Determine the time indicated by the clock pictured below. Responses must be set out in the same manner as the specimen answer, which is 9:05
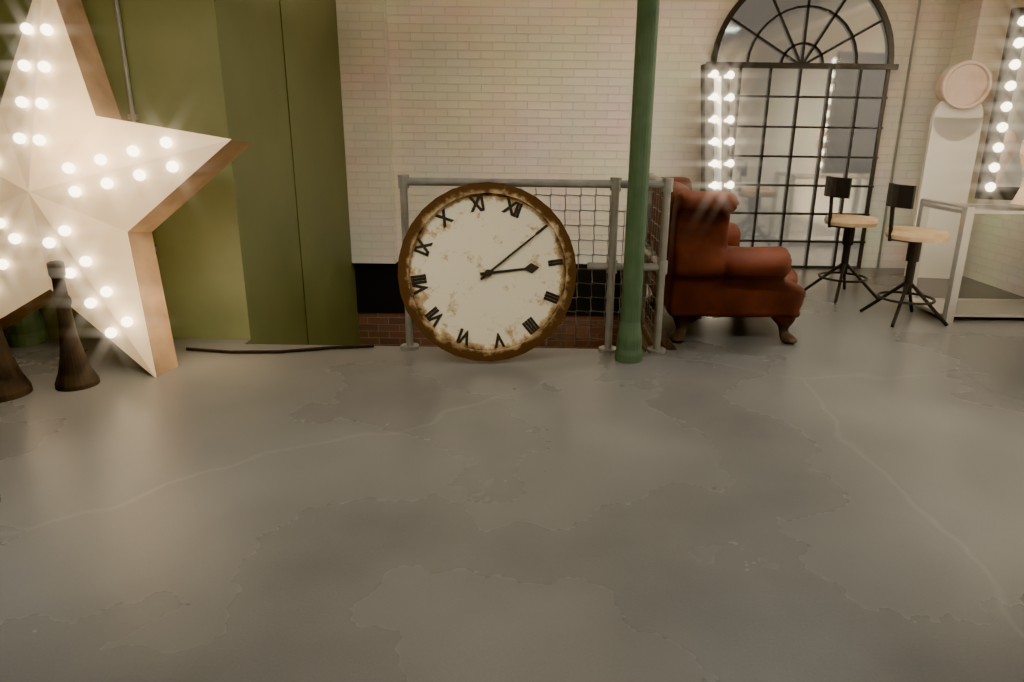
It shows 2:05
